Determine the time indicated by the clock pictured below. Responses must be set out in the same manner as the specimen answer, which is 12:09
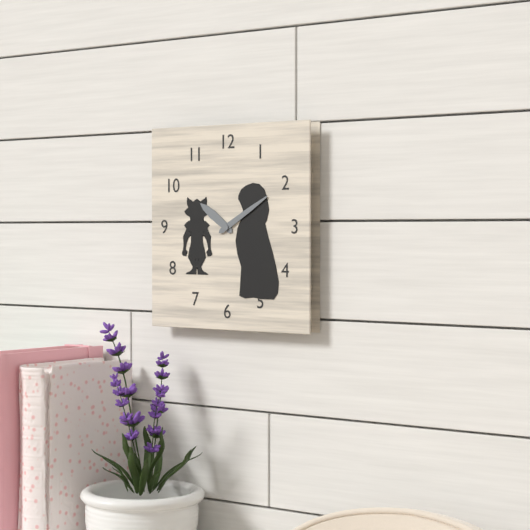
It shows 10:10
